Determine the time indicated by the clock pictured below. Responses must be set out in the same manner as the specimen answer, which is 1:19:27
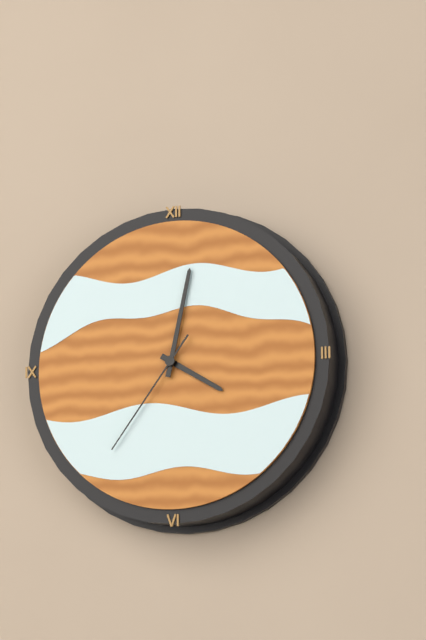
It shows 4:02:36
